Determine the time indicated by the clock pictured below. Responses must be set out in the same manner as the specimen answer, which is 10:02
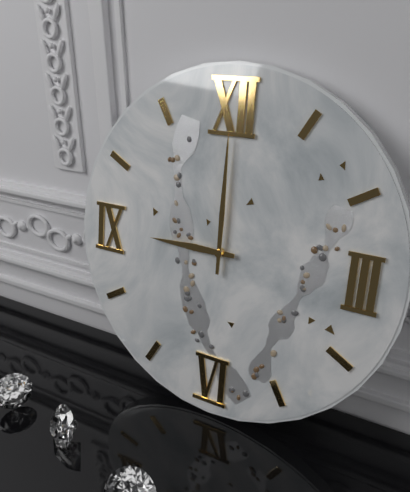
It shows 9:00
